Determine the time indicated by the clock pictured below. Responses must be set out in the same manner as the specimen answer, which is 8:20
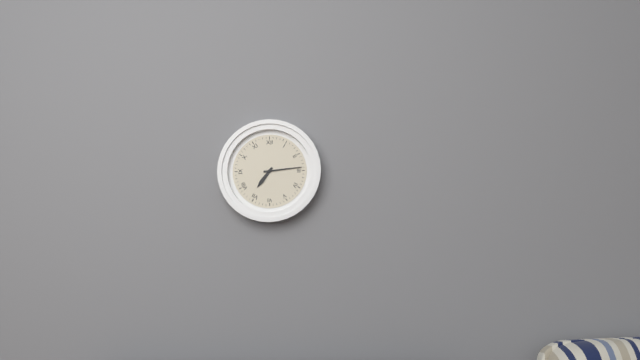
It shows 7:14
